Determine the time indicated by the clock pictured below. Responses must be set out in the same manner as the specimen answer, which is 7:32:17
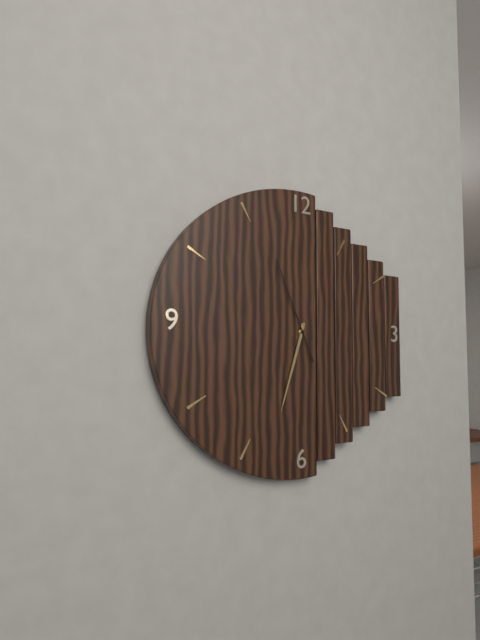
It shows 6:33:56
